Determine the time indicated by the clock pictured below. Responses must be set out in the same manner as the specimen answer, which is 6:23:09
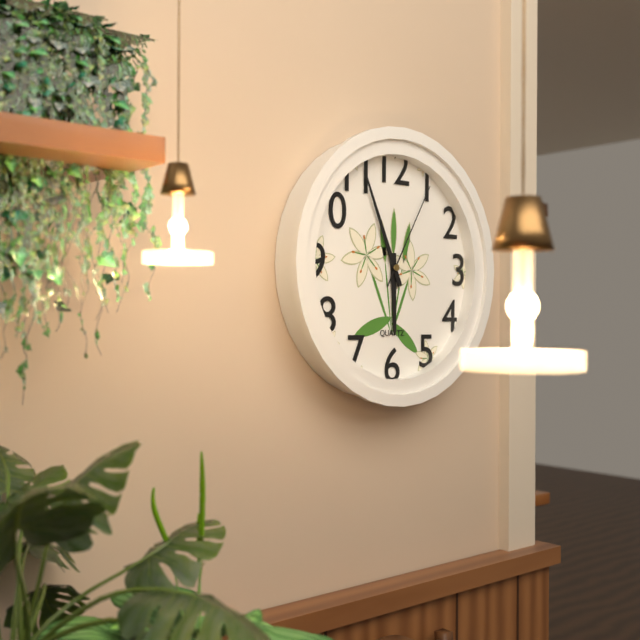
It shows 5:56:05
